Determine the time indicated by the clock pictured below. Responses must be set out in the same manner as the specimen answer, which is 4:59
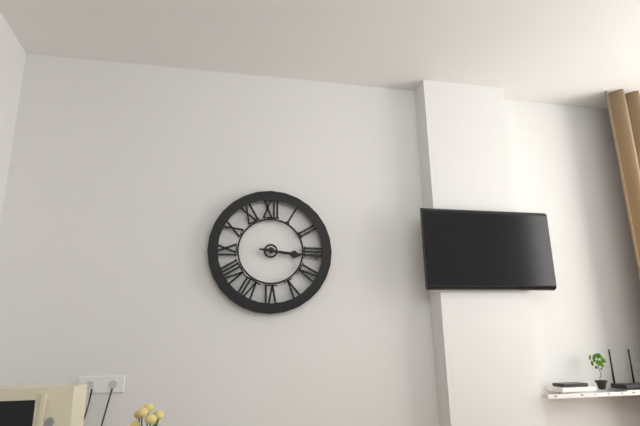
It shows 3:16
